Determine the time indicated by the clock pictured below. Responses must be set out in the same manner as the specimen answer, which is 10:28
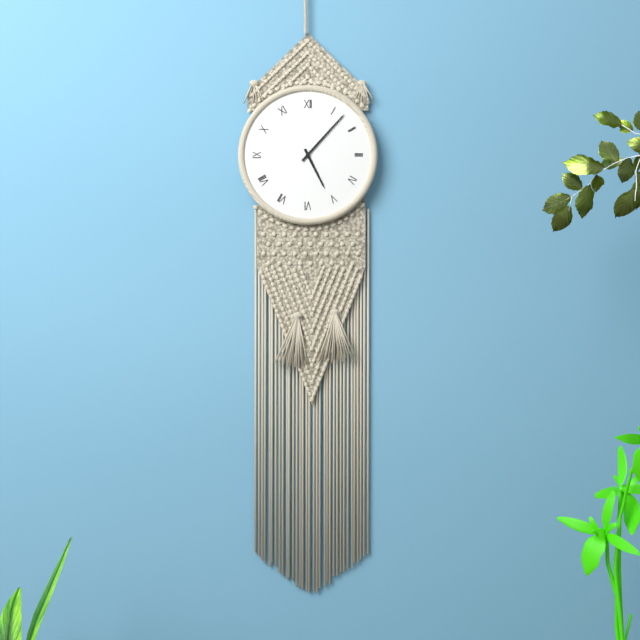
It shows 5:07
